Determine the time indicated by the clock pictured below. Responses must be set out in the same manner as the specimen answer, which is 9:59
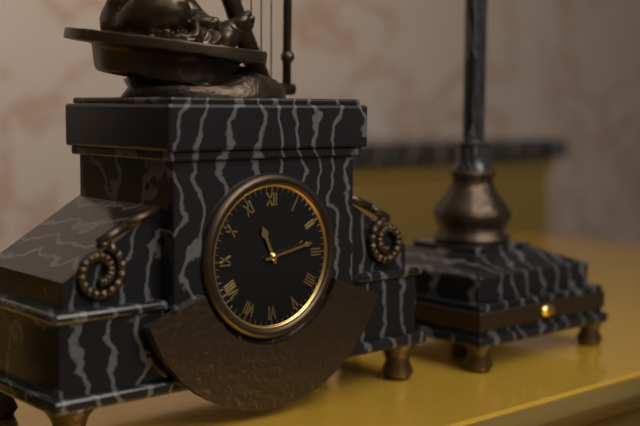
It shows 11:13
